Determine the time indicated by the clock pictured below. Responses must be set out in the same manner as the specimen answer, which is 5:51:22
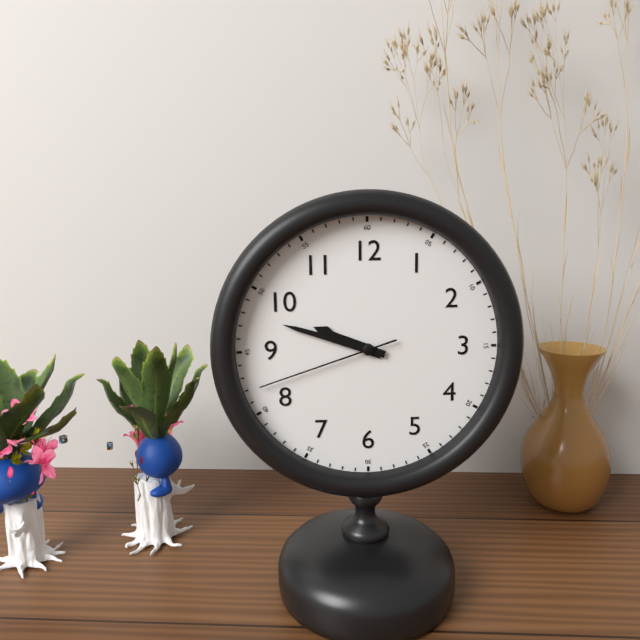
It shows 9:48:42
